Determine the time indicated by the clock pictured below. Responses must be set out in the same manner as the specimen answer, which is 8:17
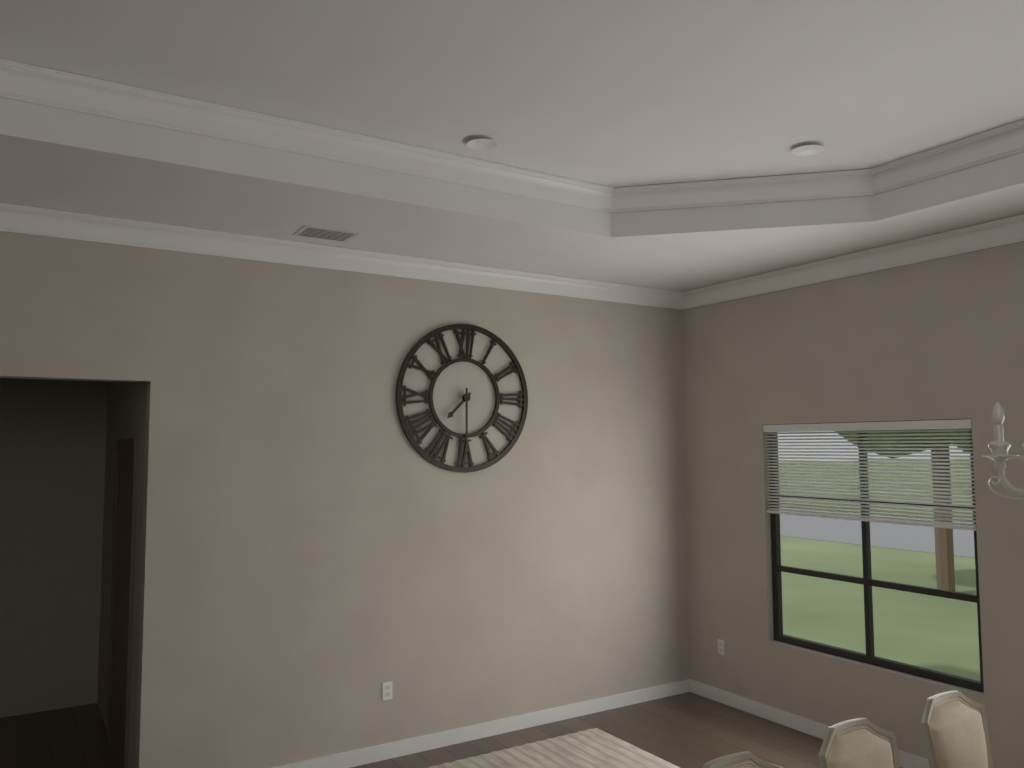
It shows 7:30
